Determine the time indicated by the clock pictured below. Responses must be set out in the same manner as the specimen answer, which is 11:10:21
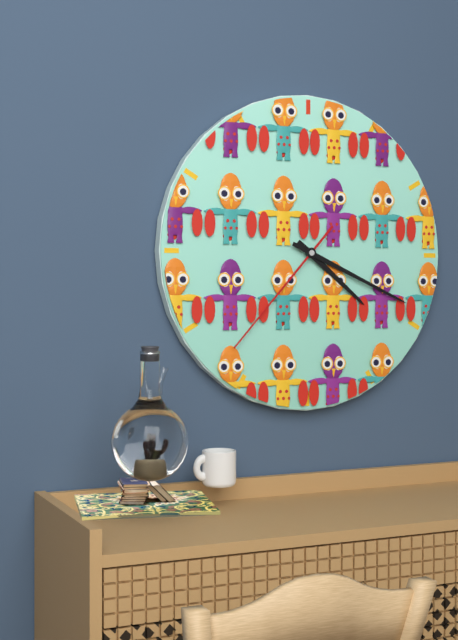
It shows 4:19:37
